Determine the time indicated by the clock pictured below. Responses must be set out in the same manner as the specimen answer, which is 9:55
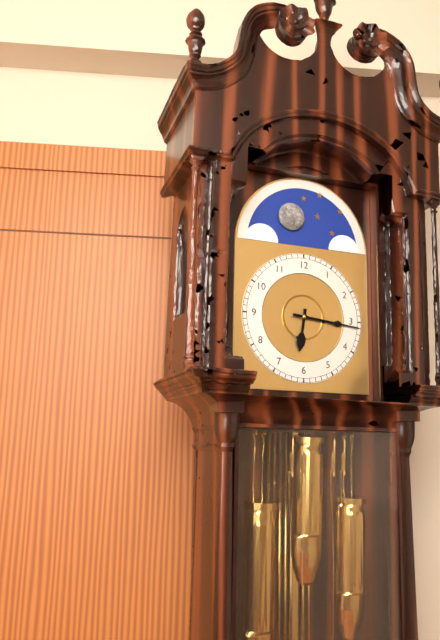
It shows 6:16
